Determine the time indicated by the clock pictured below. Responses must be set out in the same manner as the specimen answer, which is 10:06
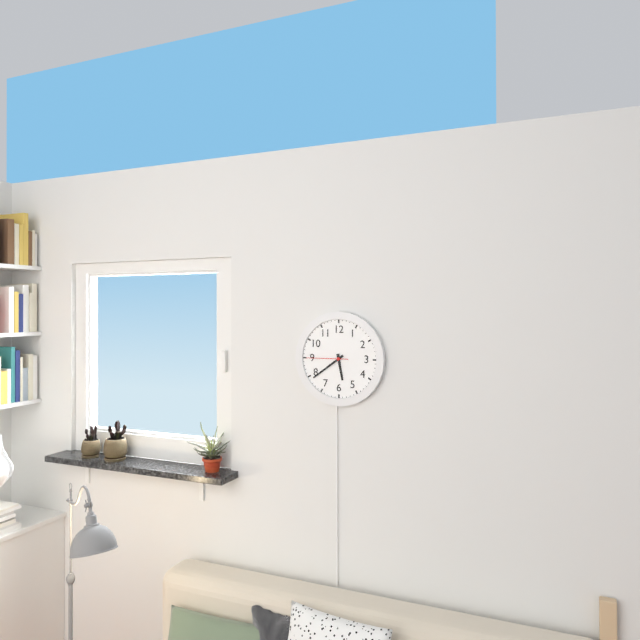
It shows 5:39
